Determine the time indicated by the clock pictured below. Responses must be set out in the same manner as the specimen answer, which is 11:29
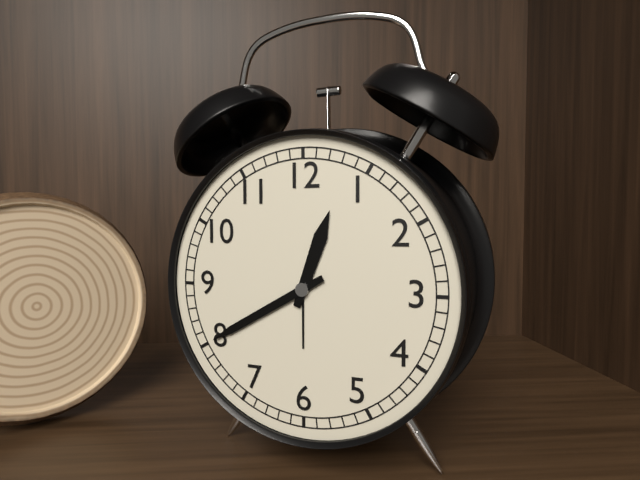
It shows 12:40
